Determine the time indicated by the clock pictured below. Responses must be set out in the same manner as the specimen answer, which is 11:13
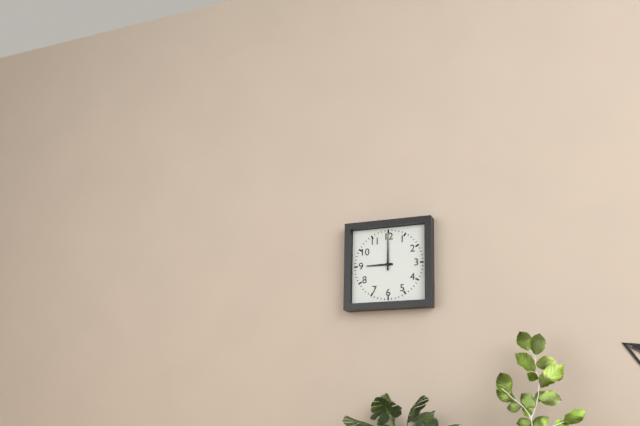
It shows 9:00
